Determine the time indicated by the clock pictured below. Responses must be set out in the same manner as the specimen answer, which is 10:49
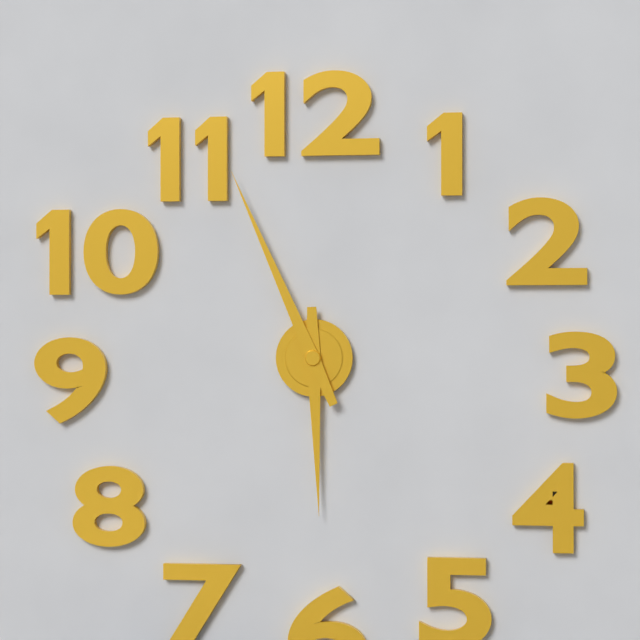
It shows 5:56
